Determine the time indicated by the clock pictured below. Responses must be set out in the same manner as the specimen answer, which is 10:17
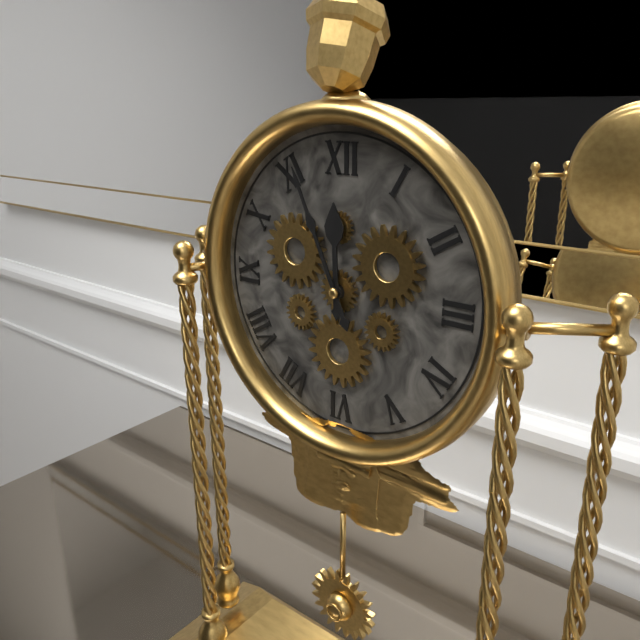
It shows 11:56
